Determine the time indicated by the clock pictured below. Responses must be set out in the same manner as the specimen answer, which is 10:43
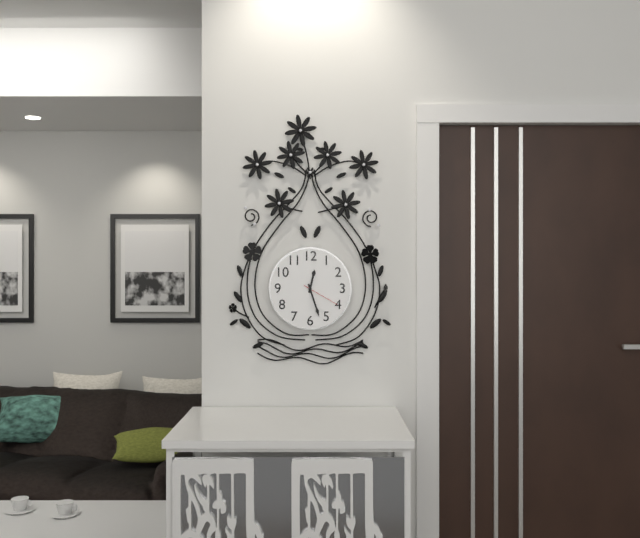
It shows 12:27
